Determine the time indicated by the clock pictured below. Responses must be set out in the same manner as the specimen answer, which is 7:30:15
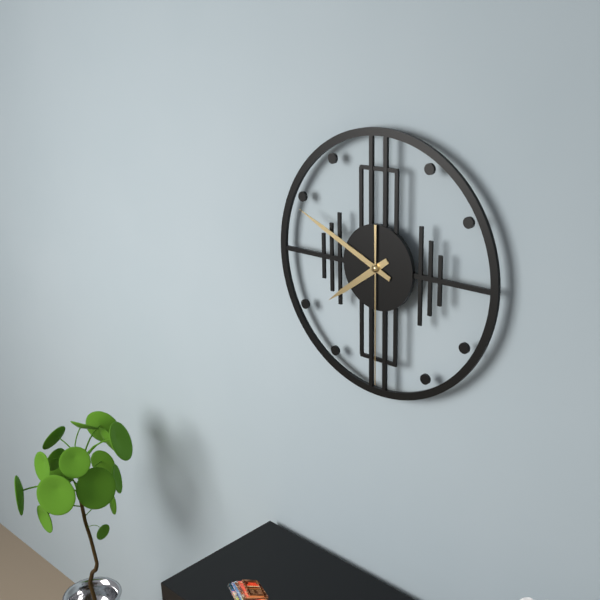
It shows 7:49:30
